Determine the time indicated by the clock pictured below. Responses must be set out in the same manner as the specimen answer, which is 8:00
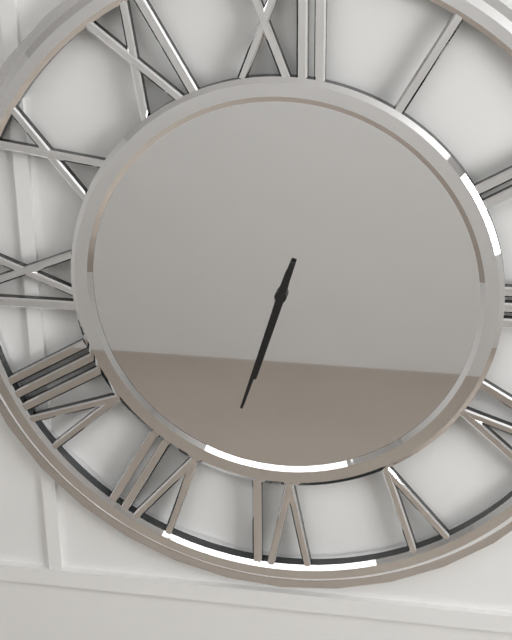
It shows 6:33
